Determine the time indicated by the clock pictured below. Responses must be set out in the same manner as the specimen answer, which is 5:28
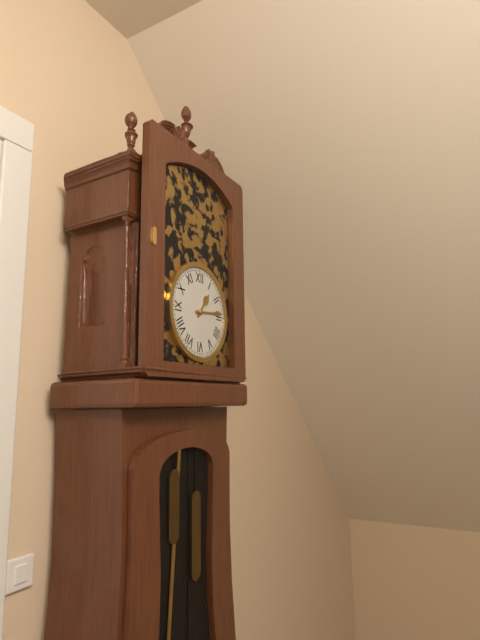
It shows 1:14
